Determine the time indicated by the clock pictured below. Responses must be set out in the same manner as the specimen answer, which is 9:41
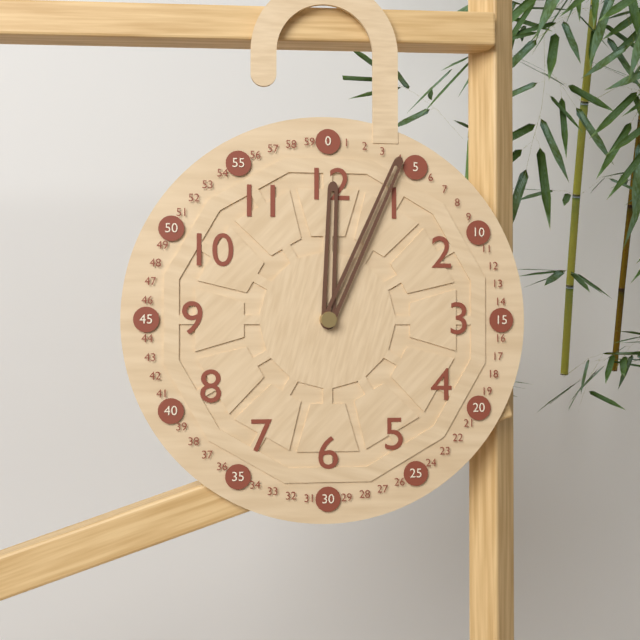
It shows 12:04
